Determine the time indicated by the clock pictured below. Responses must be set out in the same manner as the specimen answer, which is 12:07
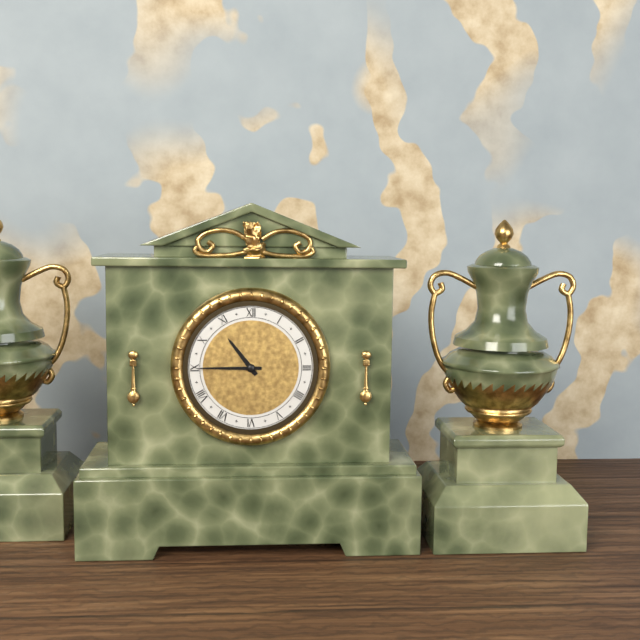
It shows 10:45
